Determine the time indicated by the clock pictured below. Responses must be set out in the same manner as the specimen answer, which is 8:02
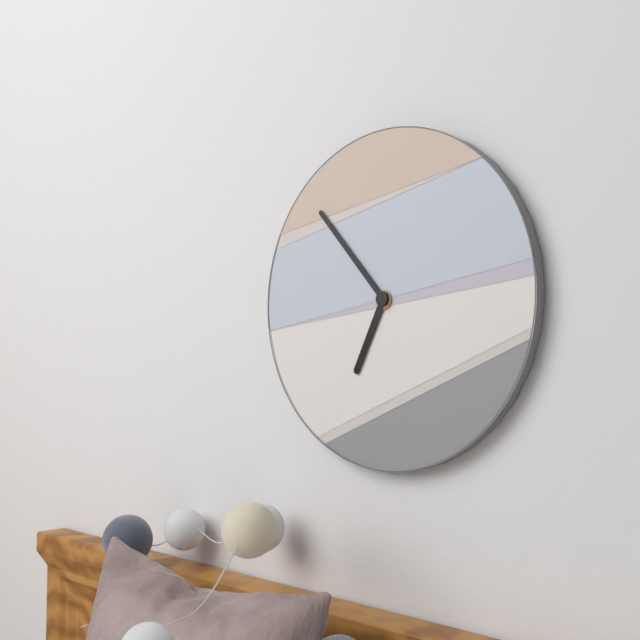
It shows 6:53
